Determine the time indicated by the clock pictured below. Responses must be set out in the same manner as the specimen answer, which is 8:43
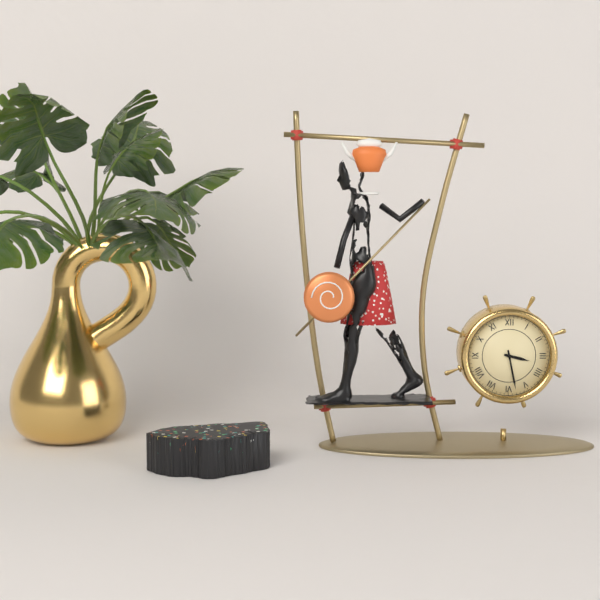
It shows 3:28
